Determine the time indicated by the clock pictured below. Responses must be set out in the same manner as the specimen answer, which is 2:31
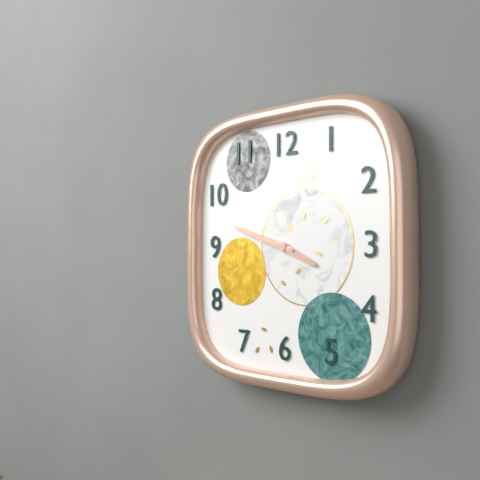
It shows 3:48
